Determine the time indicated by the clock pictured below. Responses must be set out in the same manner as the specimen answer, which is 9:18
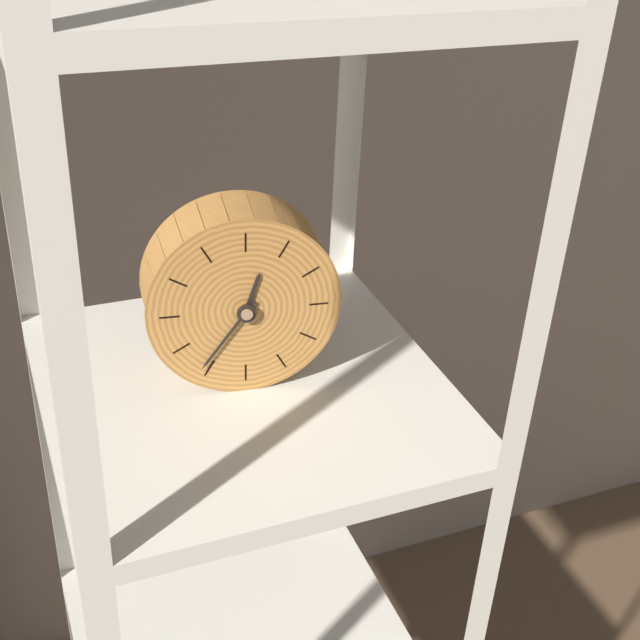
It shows 12:36
